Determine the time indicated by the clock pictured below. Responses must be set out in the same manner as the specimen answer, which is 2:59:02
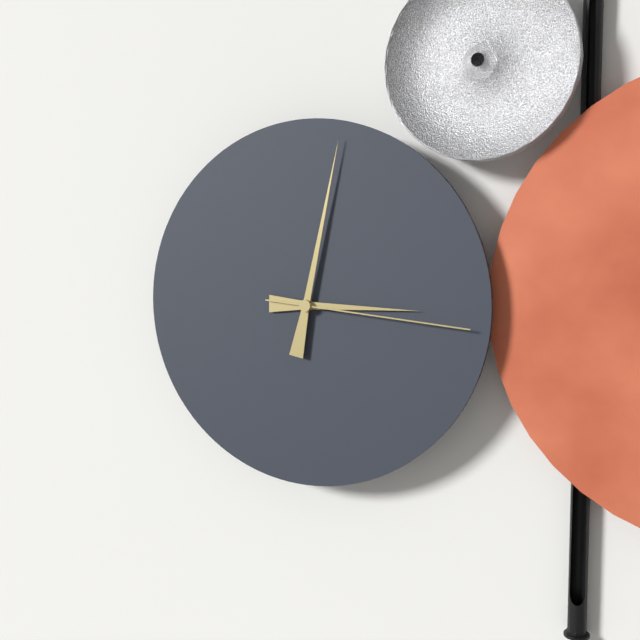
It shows 3:02:16
